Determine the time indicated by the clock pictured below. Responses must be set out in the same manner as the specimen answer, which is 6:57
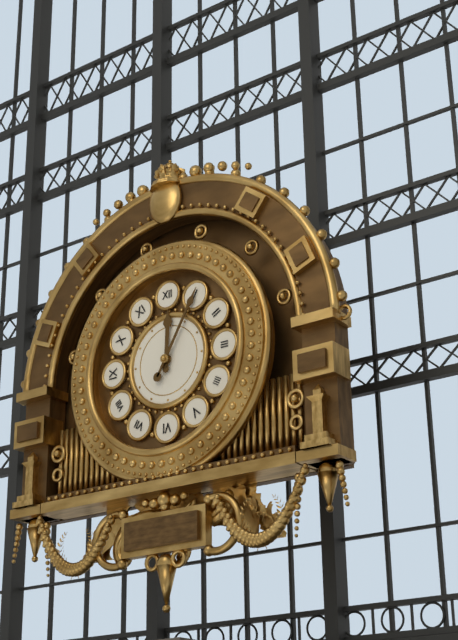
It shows 12:05
